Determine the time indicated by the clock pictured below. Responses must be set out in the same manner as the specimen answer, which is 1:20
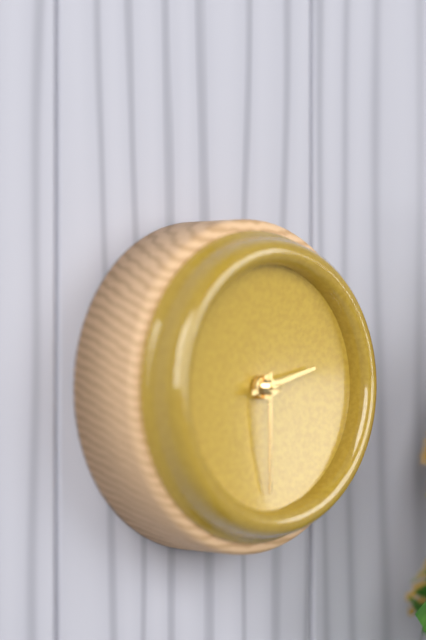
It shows 2:30
